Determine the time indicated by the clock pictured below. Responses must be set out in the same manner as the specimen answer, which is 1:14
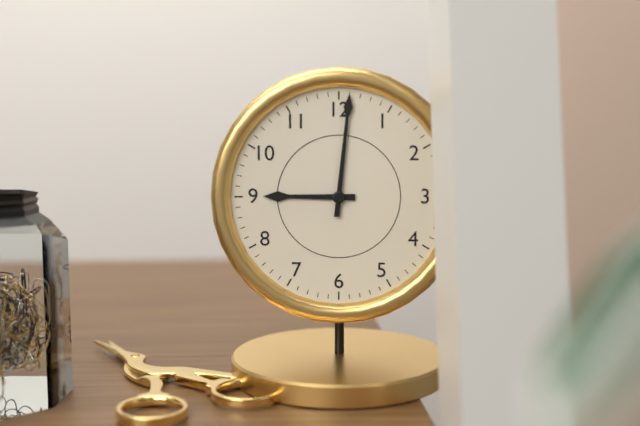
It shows 9:01
